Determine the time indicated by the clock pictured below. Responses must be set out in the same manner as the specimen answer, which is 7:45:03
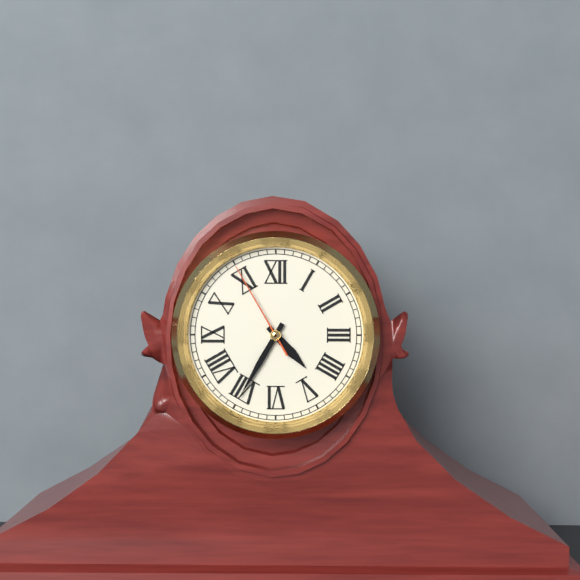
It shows 4:35:55
